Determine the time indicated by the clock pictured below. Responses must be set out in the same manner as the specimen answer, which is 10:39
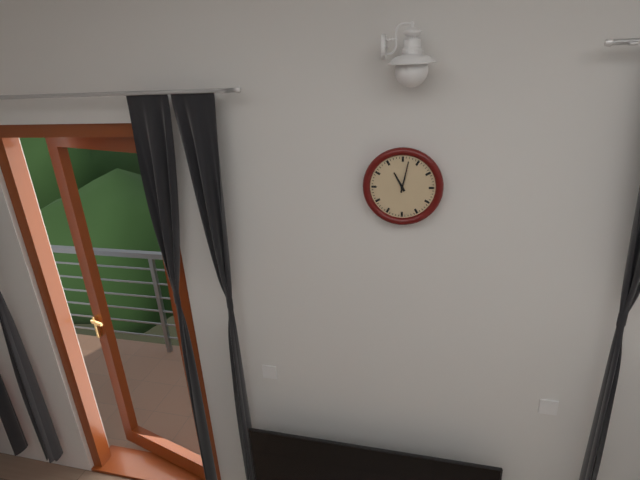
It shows 11:02
